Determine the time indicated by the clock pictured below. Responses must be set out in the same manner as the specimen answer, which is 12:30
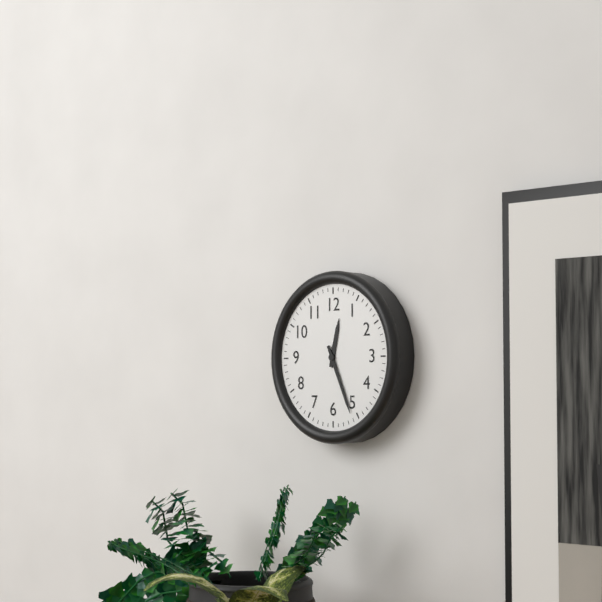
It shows 12:26
